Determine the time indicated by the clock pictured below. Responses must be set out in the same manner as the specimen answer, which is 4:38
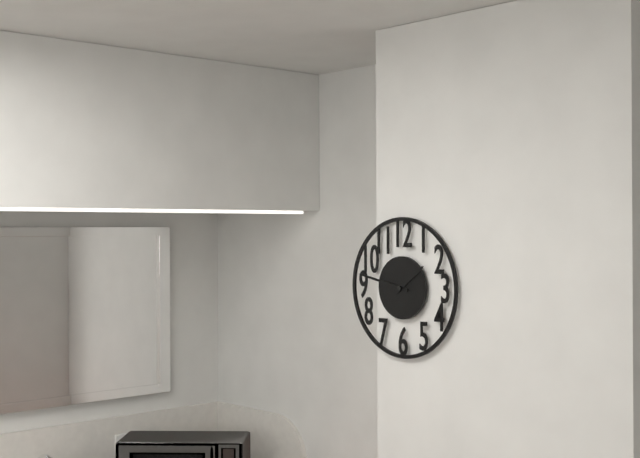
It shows 1:47
